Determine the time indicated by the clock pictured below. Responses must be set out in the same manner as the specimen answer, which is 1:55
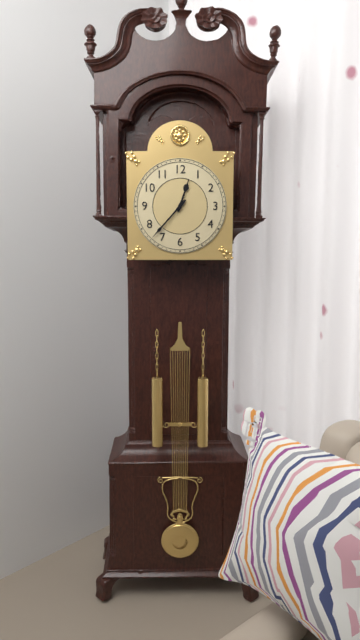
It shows 12:37
